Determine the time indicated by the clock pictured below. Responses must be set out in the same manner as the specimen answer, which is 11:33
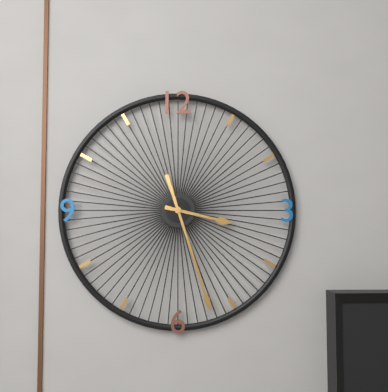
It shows 3:27
